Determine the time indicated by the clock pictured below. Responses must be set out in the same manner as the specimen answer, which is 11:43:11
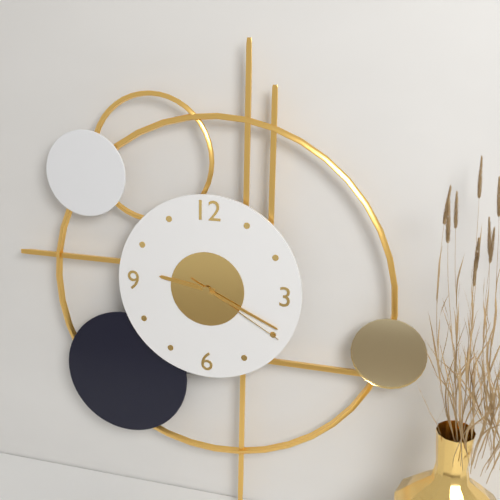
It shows 9:19:20
